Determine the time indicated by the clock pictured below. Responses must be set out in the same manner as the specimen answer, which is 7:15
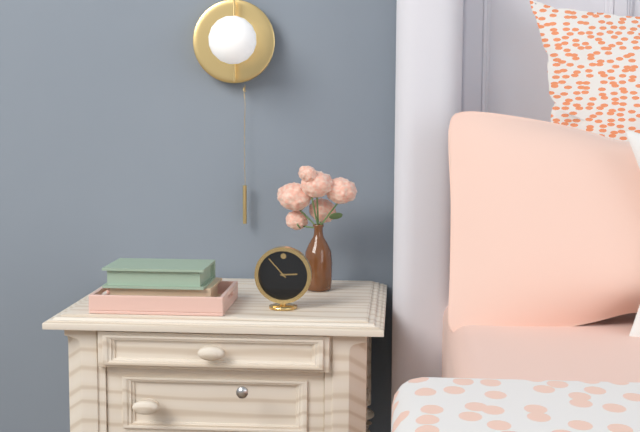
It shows 2:53
